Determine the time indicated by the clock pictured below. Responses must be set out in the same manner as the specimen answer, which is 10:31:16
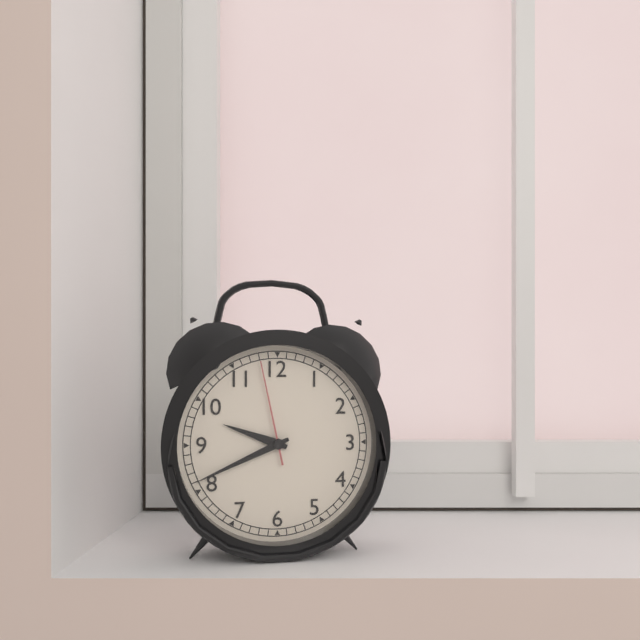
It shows 9:41:58
